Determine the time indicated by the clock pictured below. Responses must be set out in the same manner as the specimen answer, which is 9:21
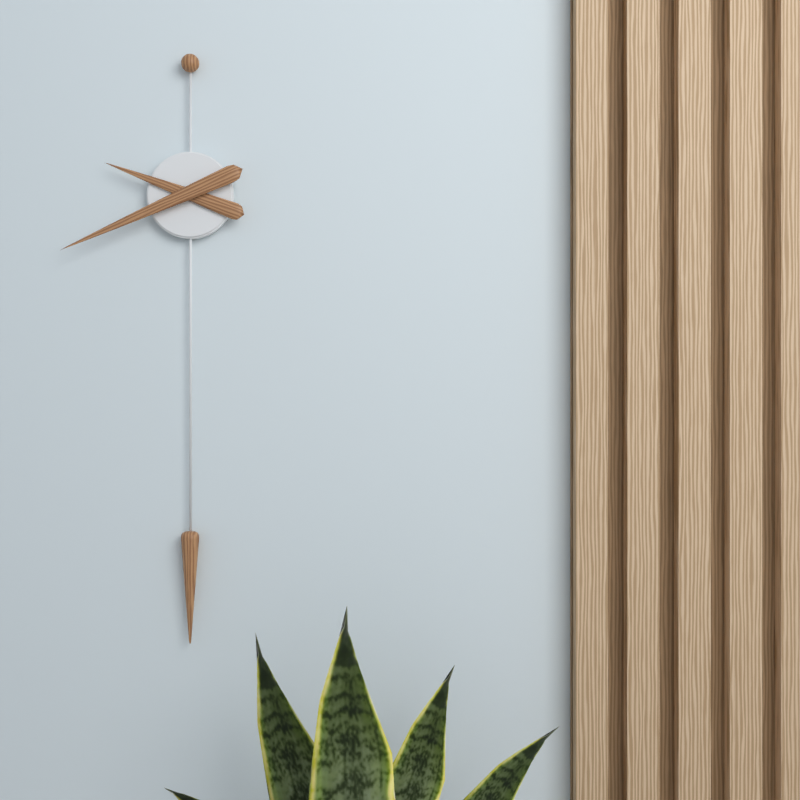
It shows 9:41
